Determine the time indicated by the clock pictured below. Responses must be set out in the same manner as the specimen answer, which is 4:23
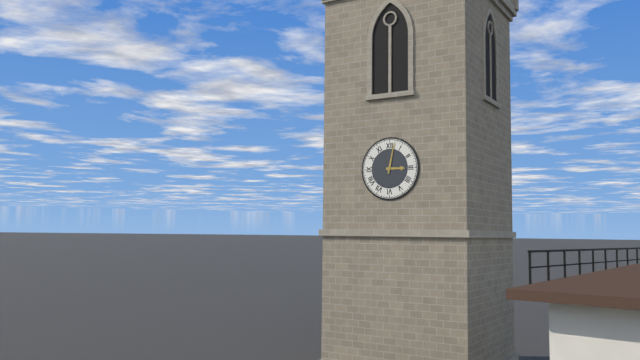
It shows 3:02
